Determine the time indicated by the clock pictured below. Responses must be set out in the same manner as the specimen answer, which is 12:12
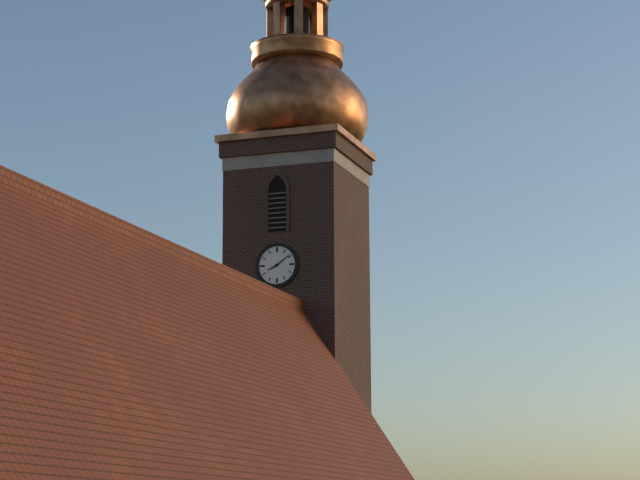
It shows 8:09
